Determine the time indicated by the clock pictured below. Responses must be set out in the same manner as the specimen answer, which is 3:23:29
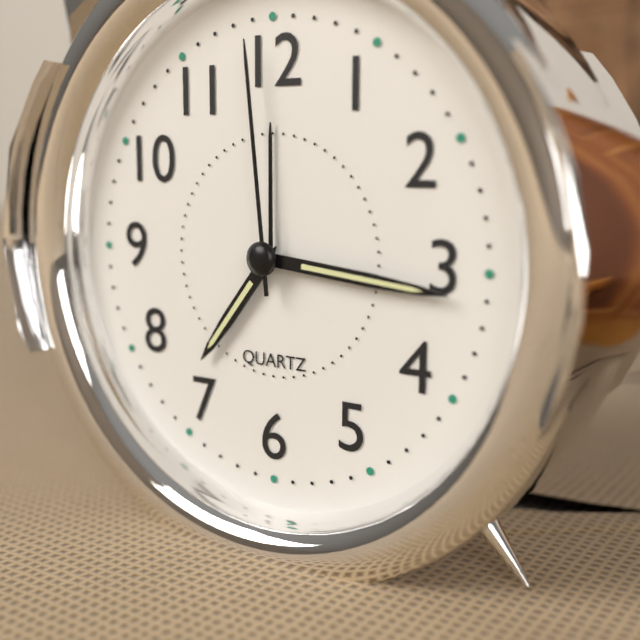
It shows 7:16:59
